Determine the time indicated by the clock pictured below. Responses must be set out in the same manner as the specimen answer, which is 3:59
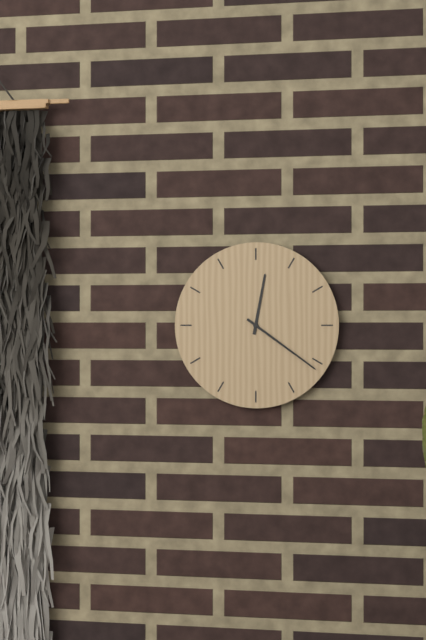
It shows 12:21
